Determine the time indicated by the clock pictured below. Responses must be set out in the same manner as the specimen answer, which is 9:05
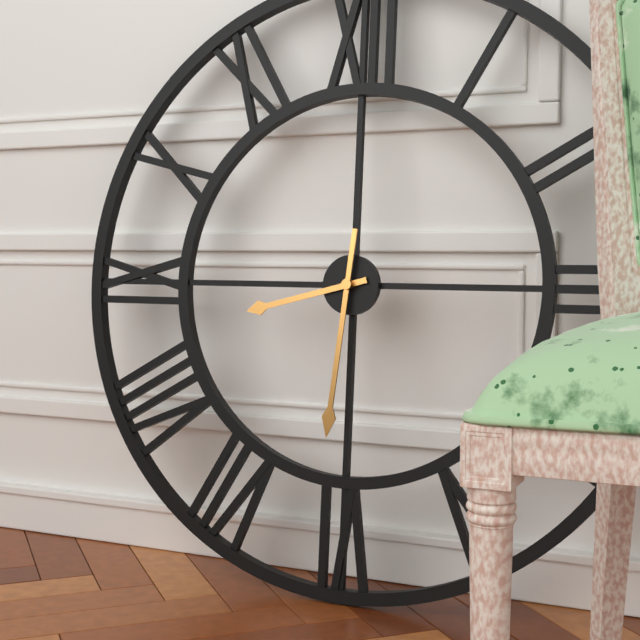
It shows 8:31
